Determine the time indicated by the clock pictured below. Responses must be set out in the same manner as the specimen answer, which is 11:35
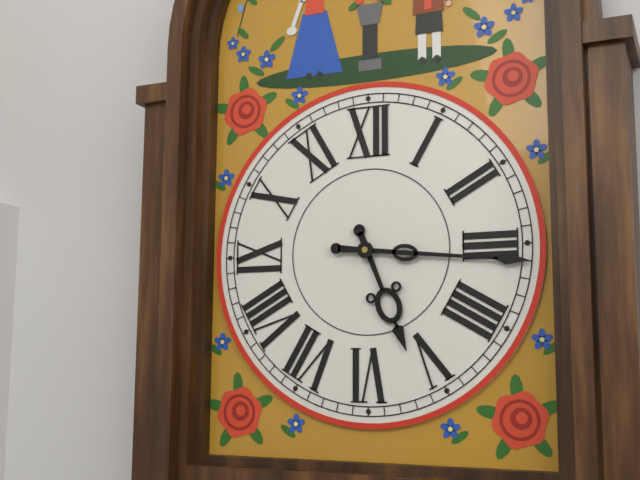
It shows 5:16
